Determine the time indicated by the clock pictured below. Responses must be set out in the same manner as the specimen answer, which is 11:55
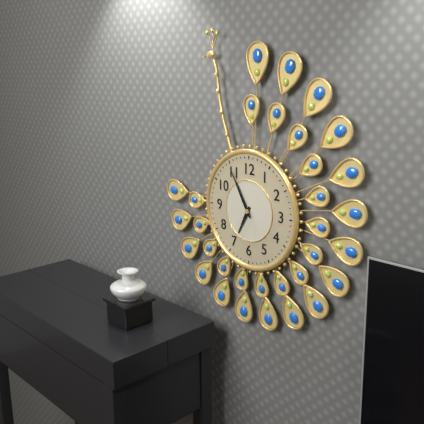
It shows 6:55
